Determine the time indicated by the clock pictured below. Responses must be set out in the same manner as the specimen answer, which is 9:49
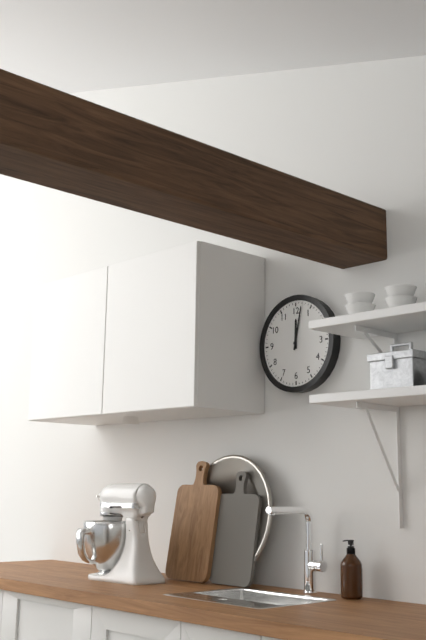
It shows 12:02
